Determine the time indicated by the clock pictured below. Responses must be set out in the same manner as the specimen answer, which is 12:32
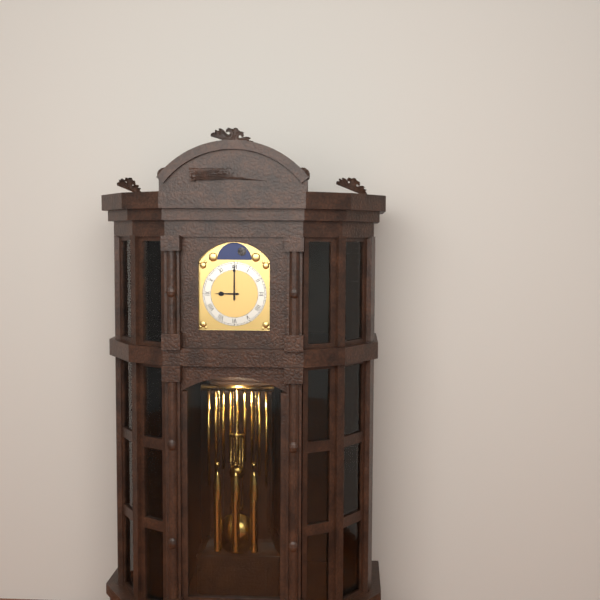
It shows 9:00
